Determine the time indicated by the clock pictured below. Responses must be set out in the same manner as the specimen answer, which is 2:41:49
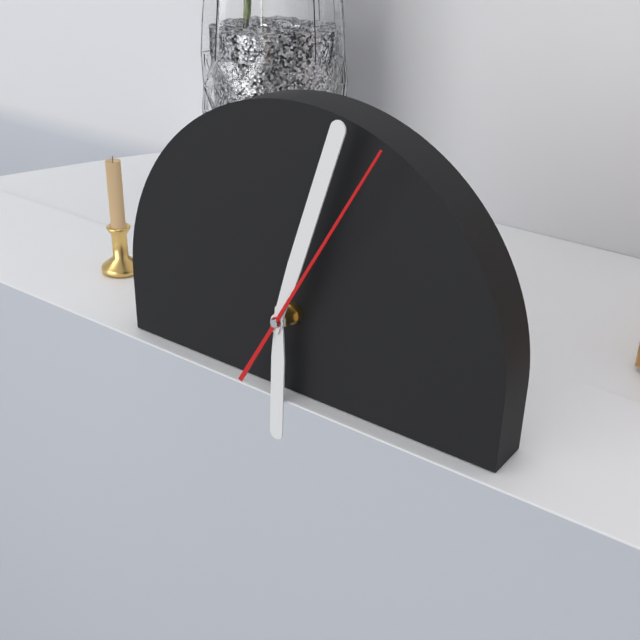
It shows 6:03:05
